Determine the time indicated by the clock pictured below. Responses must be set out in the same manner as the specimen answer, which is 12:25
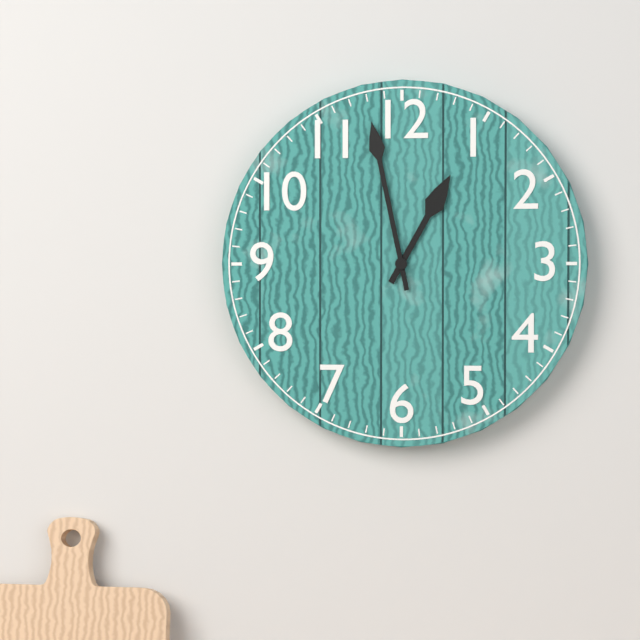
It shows 12:58
